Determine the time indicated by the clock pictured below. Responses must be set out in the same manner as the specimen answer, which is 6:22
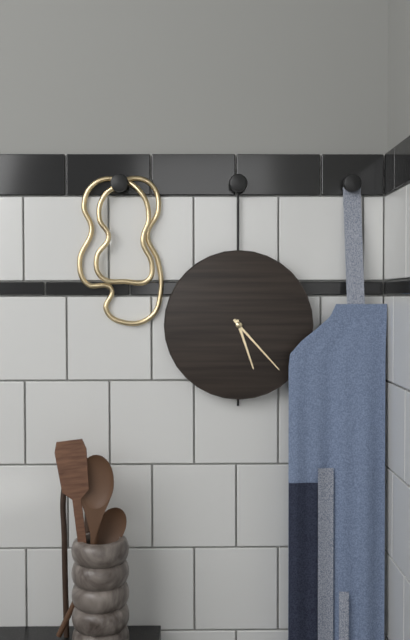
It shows 5:23
